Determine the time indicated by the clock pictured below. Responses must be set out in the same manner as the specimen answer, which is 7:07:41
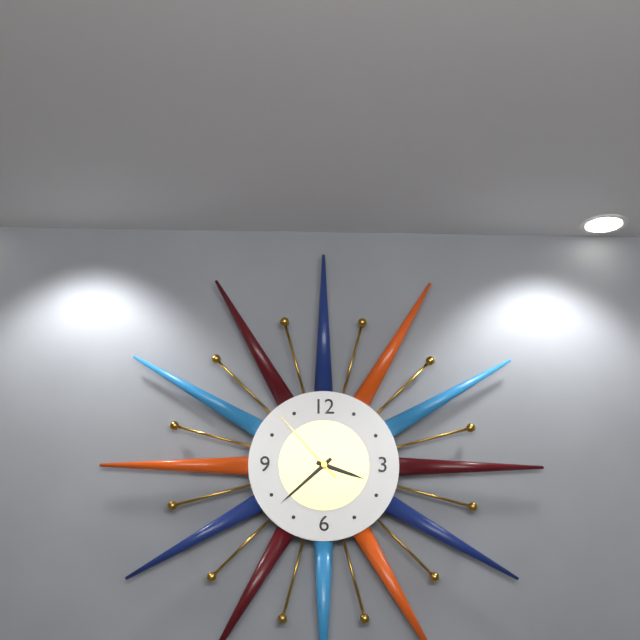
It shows 3:38:53
